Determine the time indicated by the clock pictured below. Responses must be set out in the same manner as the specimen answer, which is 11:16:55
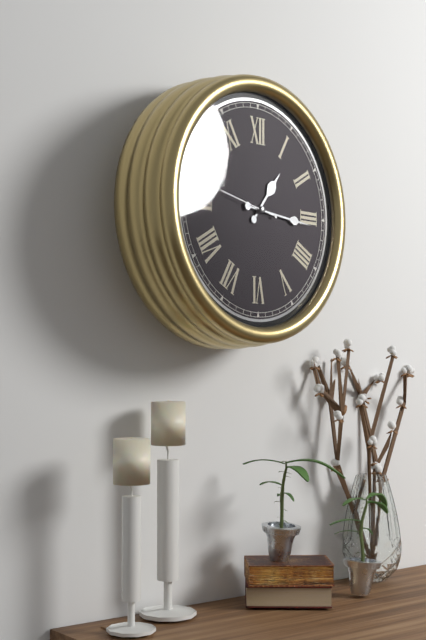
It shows 1:16:47
